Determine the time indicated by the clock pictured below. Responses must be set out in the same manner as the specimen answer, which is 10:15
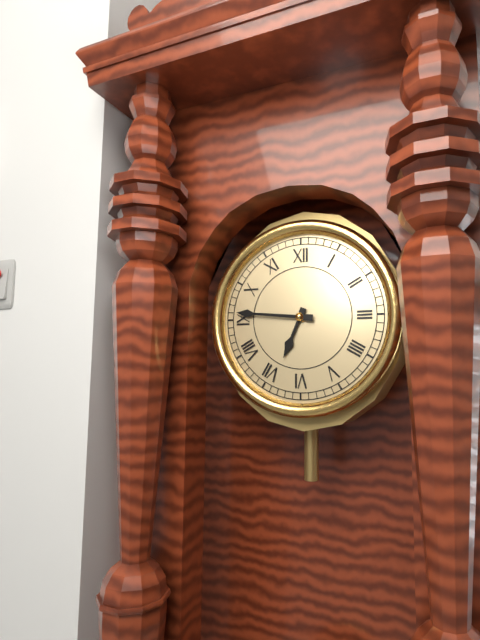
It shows 6:46
